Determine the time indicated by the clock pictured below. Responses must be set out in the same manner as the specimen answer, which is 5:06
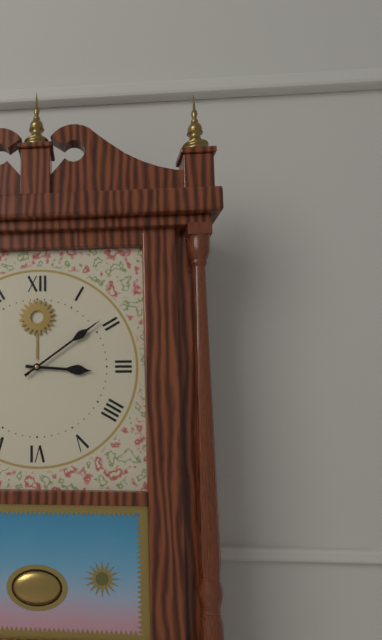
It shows 3:09
